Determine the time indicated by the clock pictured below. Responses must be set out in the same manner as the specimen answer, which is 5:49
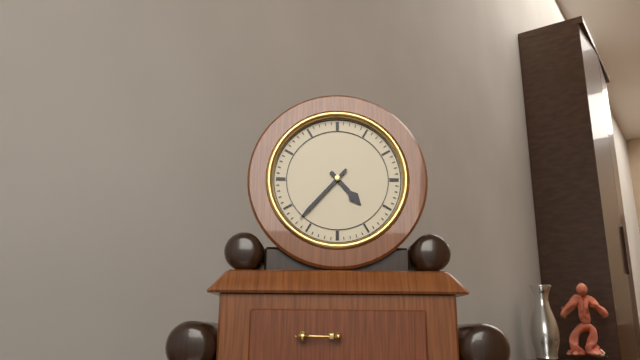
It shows 4:37
